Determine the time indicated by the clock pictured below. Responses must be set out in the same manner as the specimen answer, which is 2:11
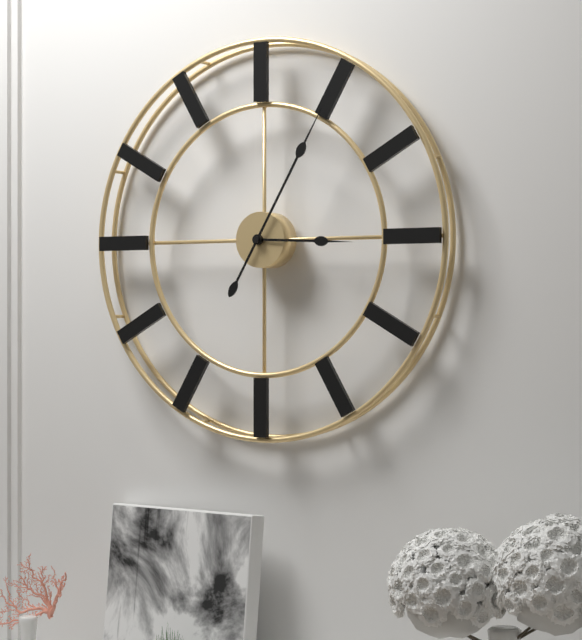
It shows 3:05
